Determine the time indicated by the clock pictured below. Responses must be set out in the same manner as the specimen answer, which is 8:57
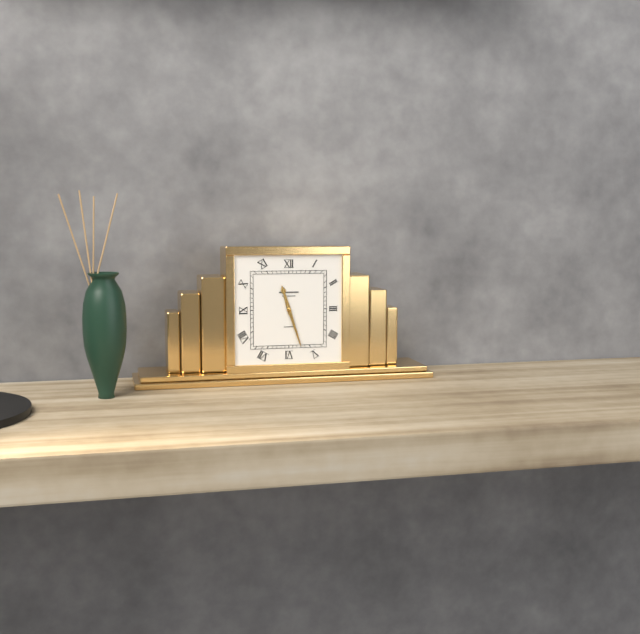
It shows 11:27
